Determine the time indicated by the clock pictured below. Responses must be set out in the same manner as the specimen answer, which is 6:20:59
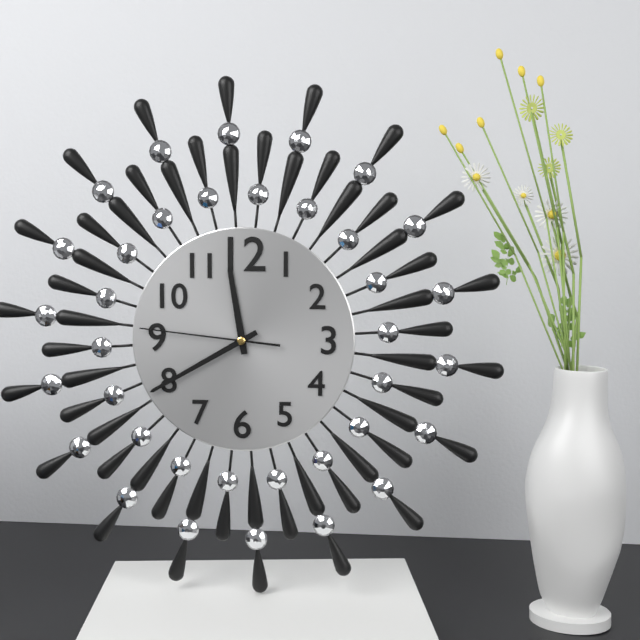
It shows 11:40:46
